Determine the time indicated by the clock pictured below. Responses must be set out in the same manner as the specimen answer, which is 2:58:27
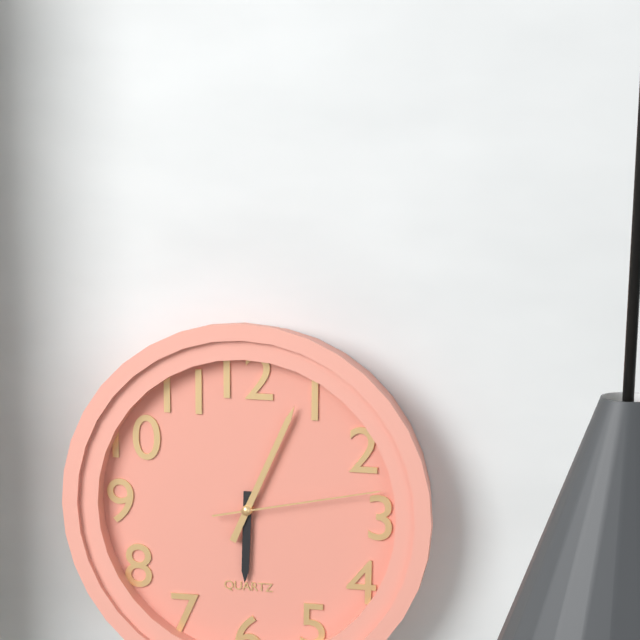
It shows 6:04:13
